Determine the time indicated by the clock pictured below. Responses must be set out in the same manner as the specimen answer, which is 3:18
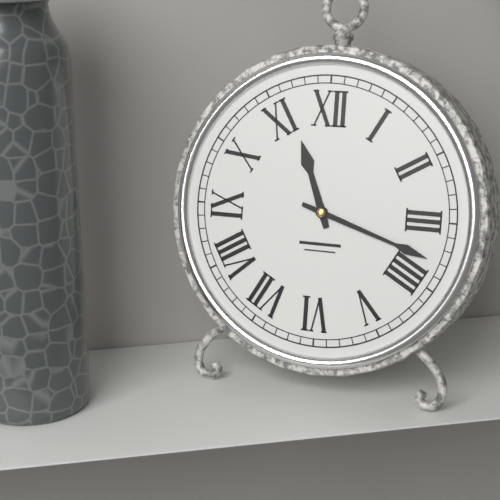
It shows 11:18
